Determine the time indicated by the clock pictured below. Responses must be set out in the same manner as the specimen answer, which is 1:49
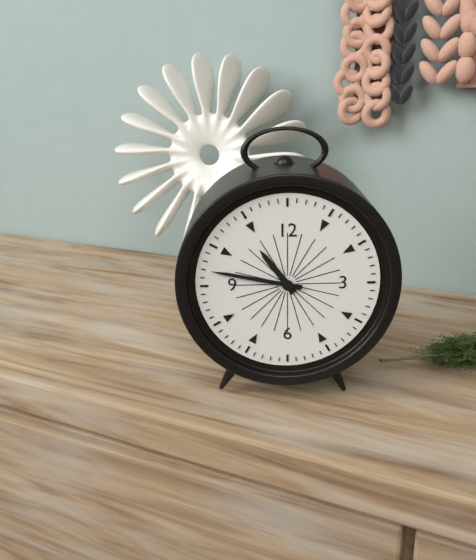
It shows 10:47
